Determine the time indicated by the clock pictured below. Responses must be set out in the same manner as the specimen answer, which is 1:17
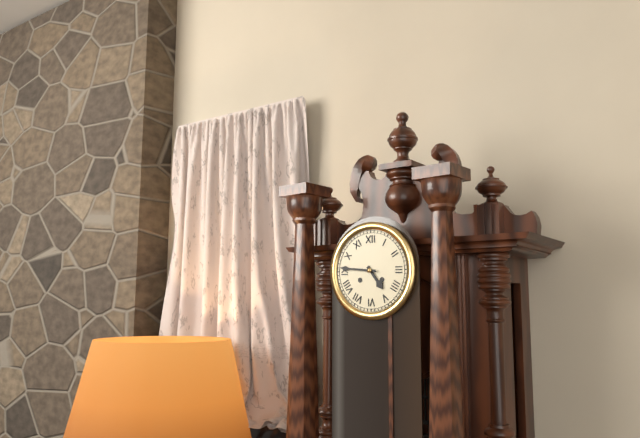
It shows 4:46
